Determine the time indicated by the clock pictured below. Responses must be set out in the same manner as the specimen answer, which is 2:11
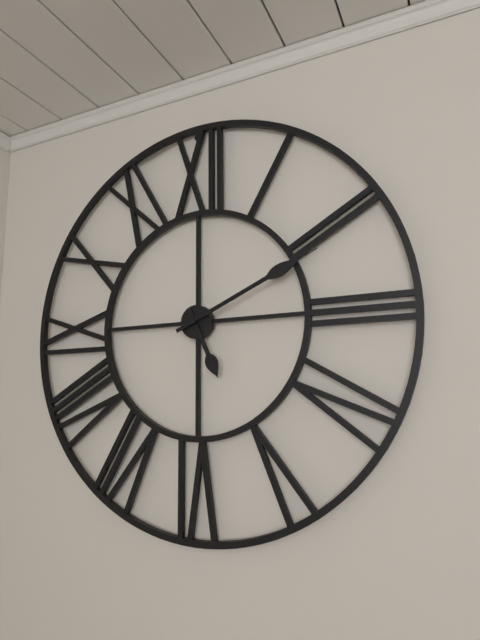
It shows 5:11
